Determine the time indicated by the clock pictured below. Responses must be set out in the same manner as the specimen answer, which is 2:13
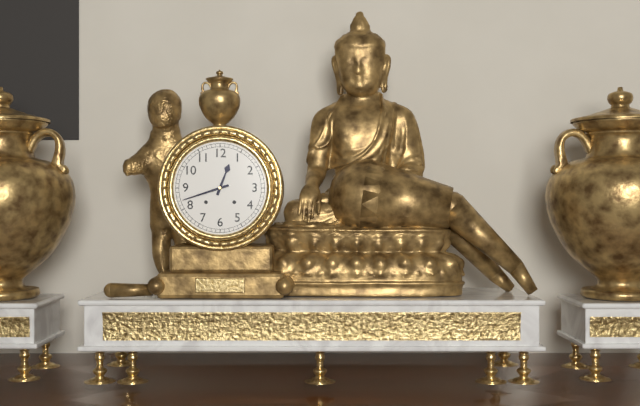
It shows 12:42
